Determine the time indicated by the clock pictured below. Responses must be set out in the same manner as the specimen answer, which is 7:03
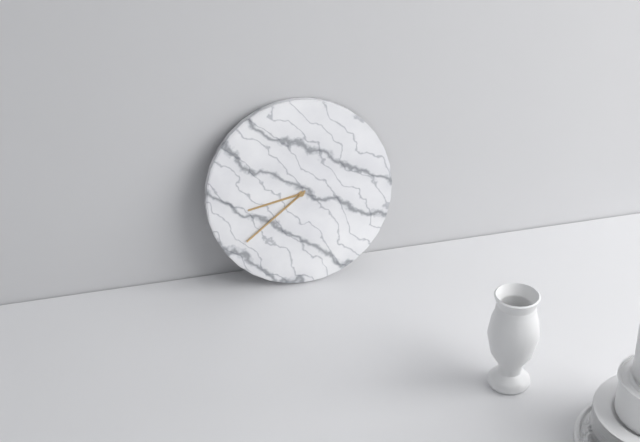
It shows 8:39
